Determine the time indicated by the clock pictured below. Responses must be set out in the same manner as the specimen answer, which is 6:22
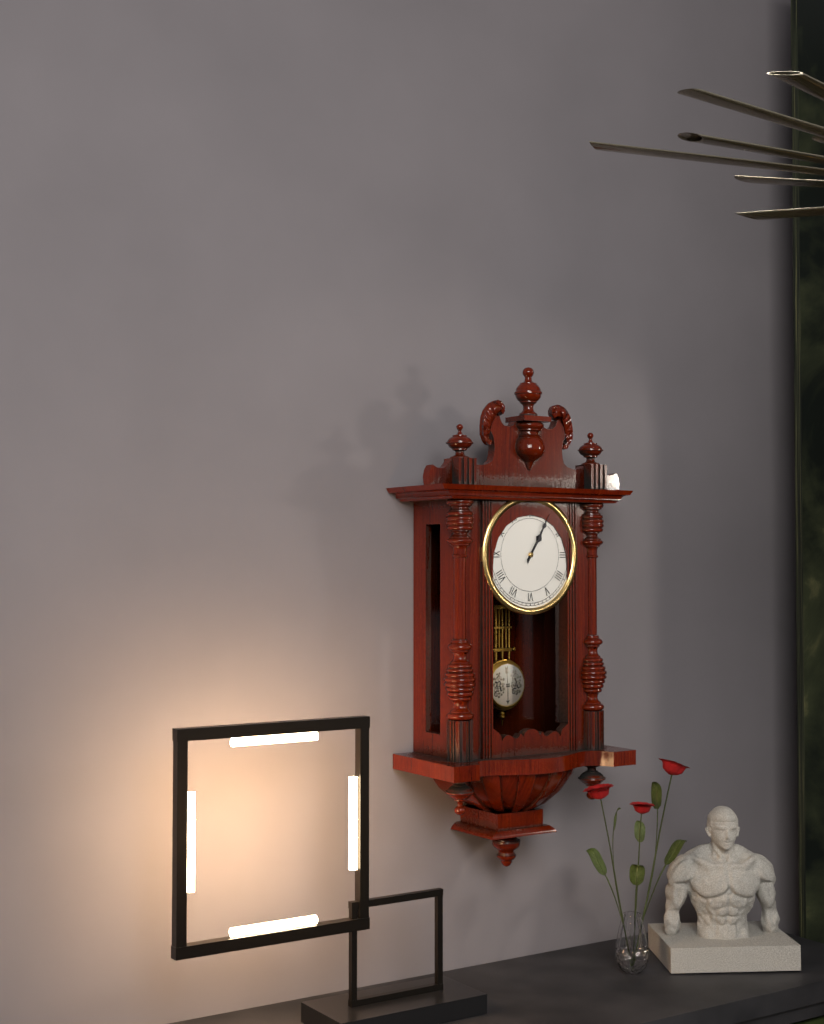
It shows 1:05
